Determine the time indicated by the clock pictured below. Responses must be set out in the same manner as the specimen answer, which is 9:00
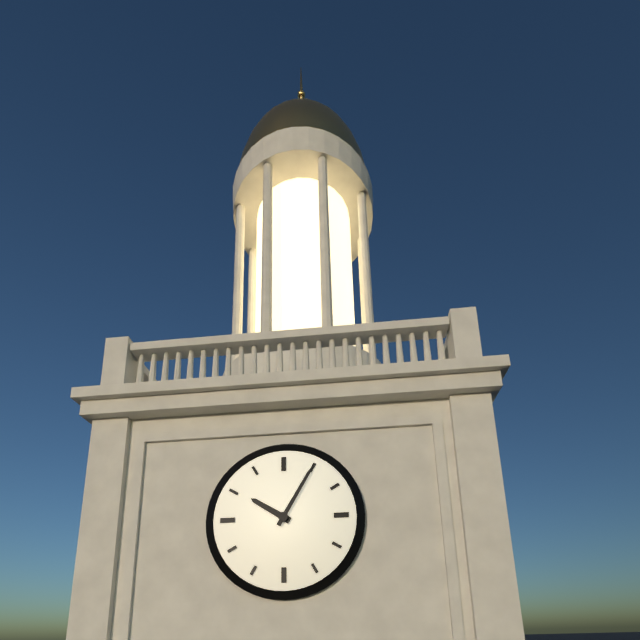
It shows 10:05
